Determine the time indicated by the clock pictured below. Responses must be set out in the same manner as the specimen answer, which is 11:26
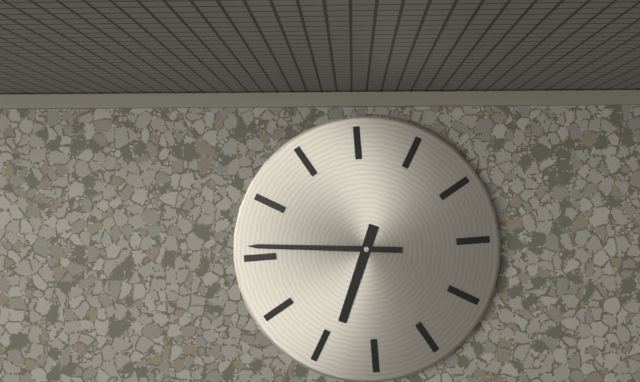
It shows 6:46
